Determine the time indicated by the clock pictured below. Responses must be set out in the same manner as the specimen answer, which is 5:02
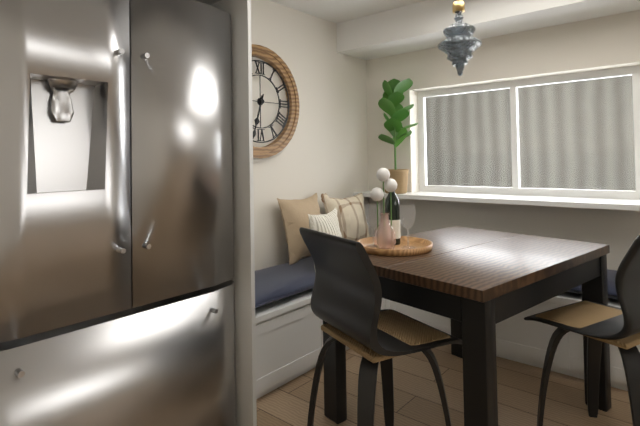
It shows 6:33
